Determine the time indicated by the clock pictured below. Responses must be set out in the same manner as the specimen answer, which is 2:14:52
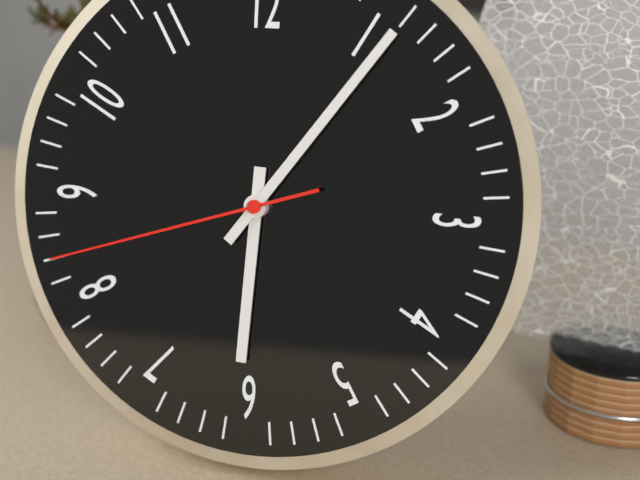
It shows 6:06:42
